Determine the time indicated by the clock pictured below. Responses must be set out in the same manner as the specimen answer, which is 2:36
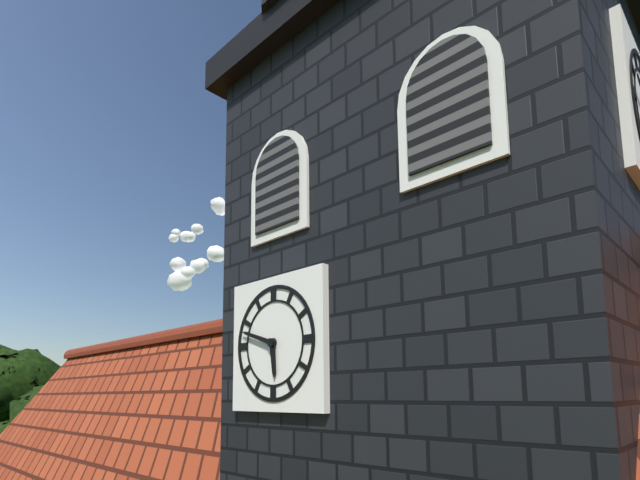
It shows 5:48
